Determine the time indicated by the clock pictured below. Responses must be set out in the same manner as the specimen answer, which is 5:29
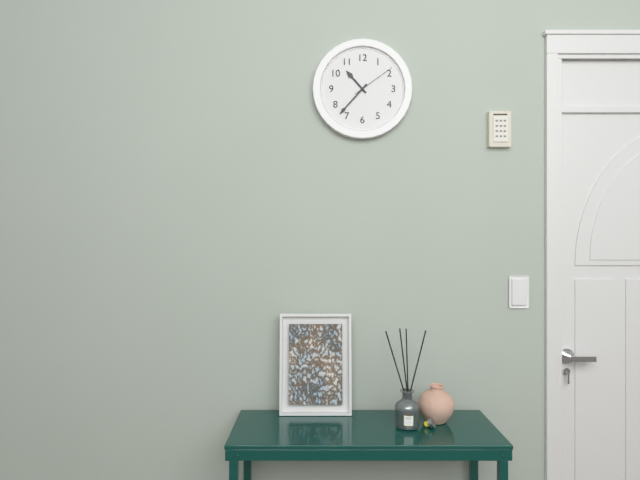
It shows 10:37
